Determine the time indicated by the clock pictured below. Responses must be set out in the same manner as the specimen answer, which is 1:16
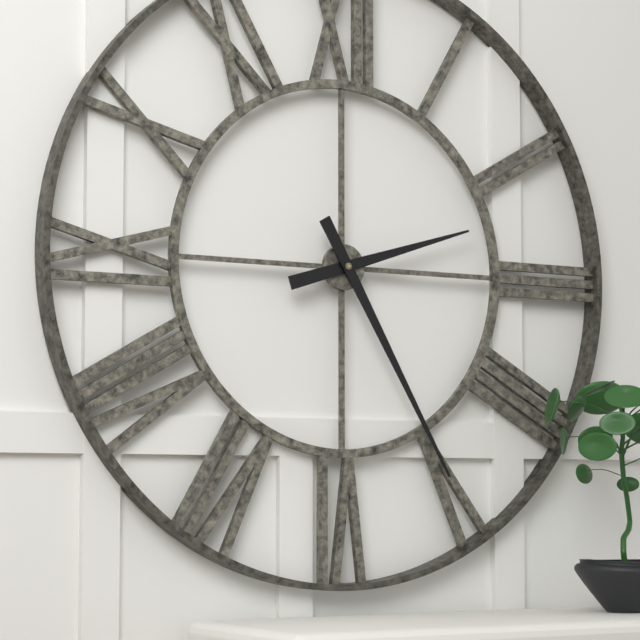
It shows 2:25
